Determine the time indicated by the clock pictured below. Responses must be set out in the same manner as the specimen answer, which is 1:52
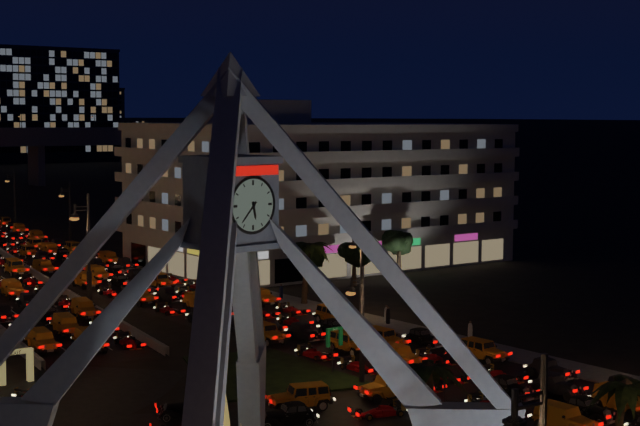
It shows 5:37
